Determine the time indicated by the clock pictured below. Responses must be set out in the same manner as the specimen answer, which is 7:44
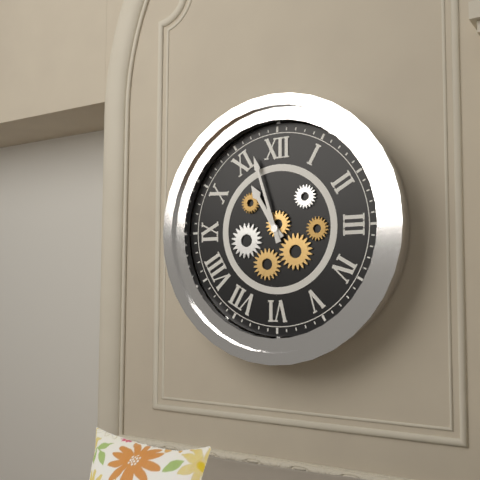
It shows 10:57
